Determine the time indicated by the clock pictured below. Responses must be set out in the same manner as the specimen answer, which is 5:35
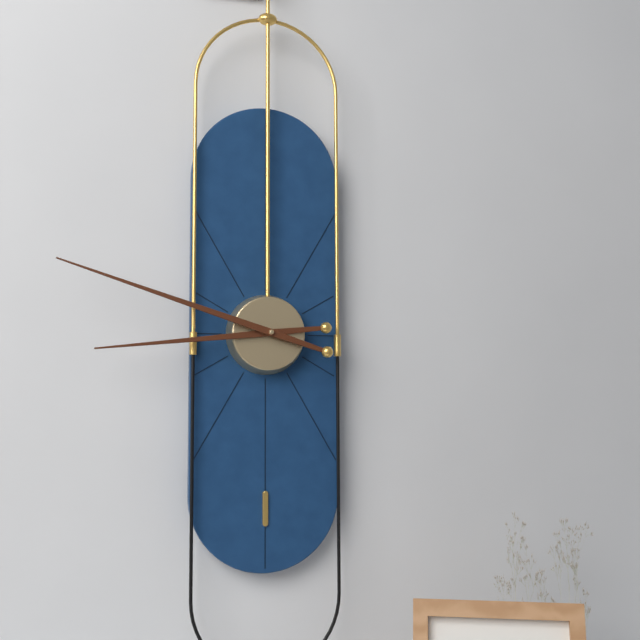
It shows 8:48
